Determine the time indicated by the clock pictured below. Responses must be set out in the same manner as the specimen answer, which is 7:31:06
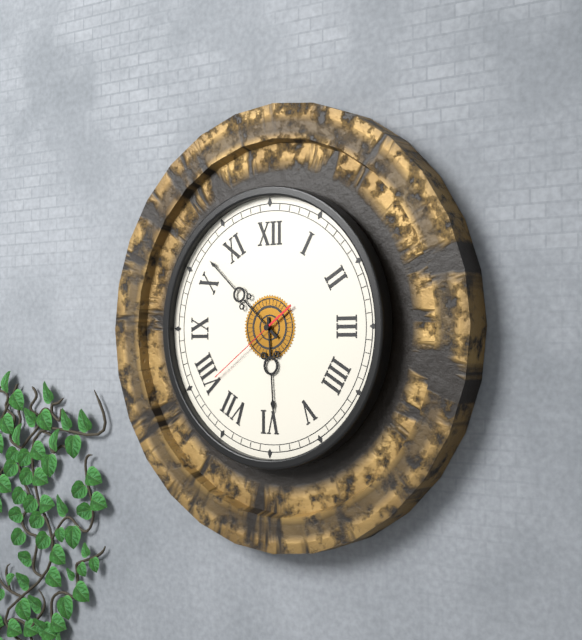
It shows 5:52:39
